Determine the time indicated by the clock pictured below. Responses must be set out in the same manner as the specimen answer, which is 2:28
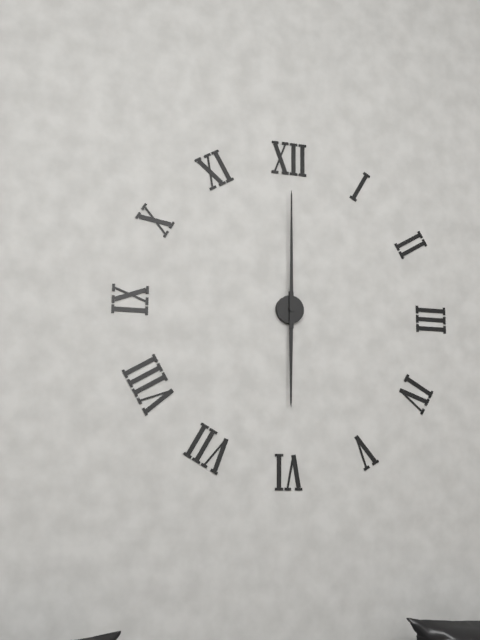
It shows 6:00
